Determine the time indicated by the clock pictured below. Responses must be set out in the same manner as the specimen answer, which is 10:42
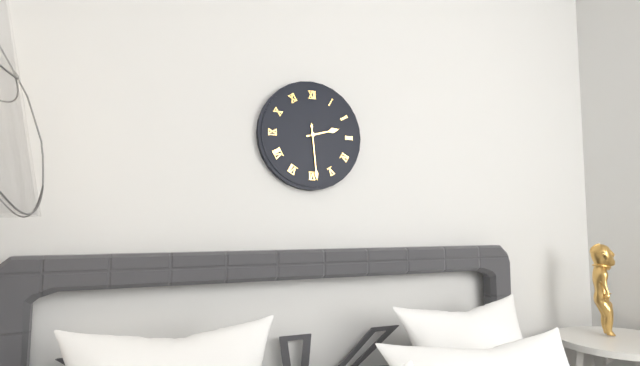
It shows 2:29
